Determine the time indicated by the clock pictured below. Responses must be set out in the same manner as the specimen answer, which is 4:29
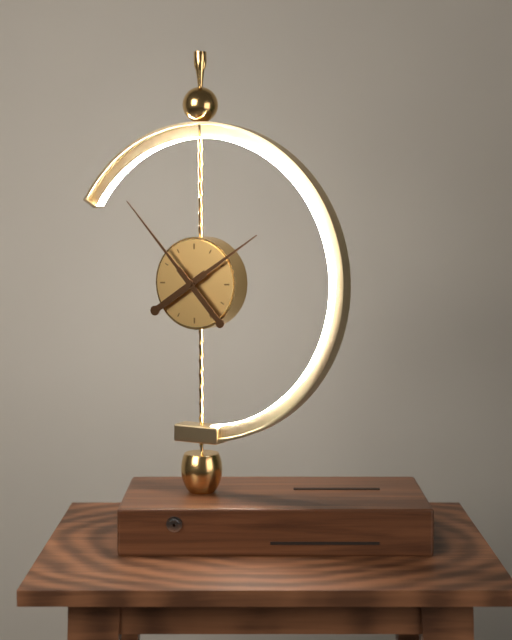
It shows 1:53
